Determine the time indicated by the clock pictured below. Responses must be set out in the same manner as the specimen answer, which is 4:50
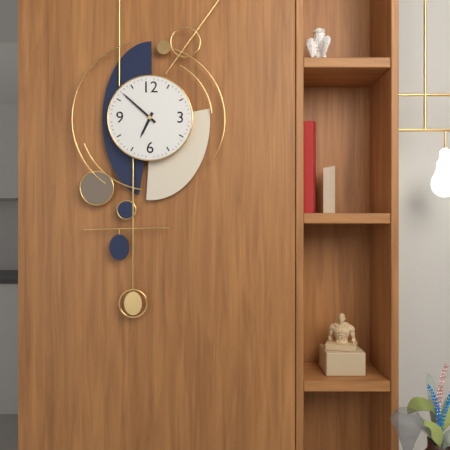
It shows 6:52
